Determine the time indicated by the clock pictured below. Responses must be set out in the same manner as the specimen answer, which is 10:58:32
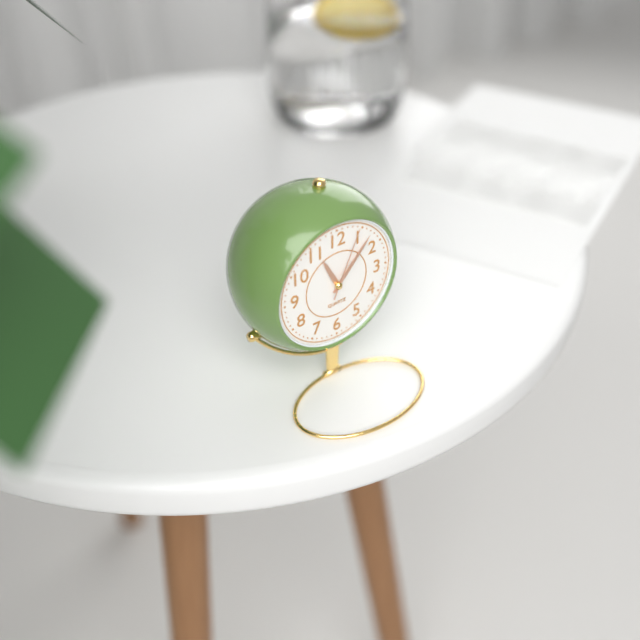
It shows 11:07:04
